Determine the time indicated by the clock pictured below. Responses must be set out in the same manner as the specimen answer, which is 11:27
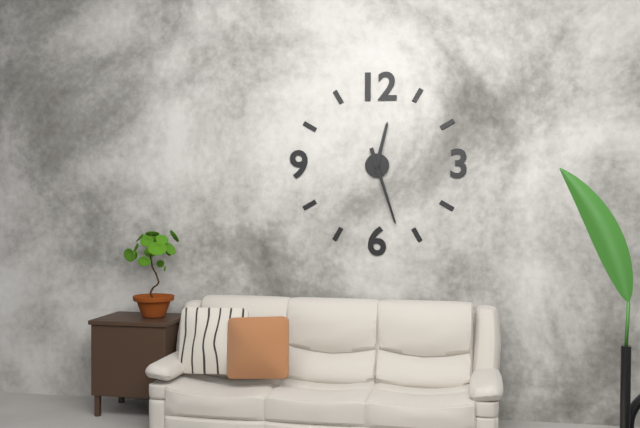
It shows 12:27
